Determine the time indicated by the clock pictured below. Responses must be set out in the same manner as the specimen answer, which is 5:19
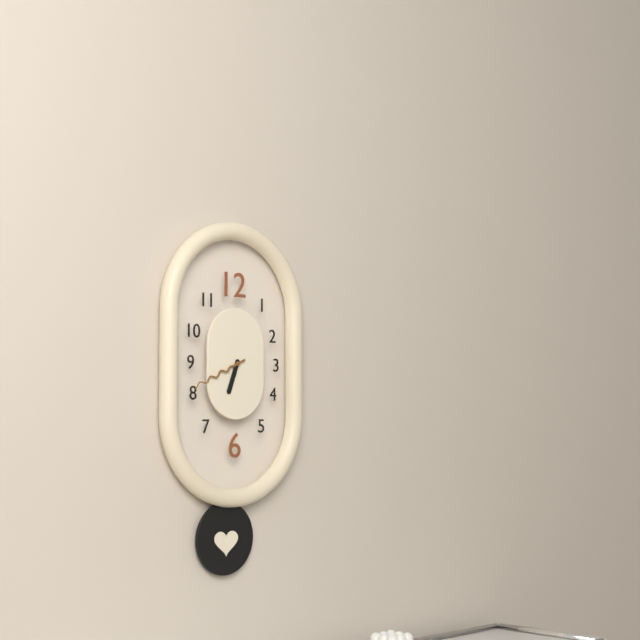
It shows 6:41
